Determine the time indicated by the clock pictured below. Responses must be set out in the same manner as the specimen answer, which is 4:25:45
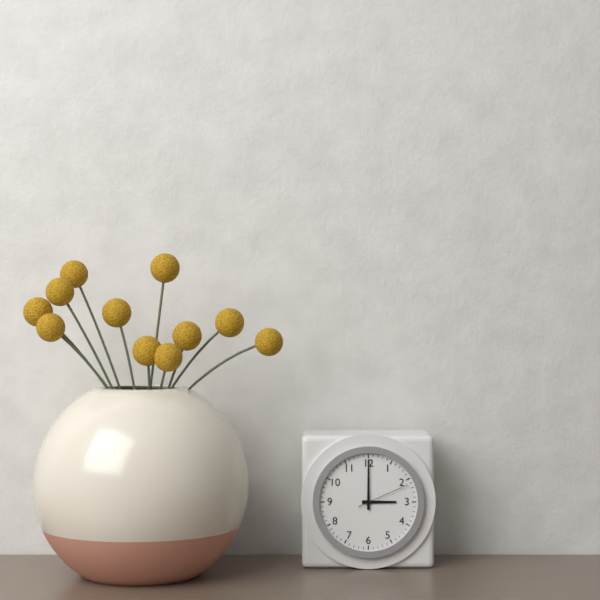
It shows 3:00:11
